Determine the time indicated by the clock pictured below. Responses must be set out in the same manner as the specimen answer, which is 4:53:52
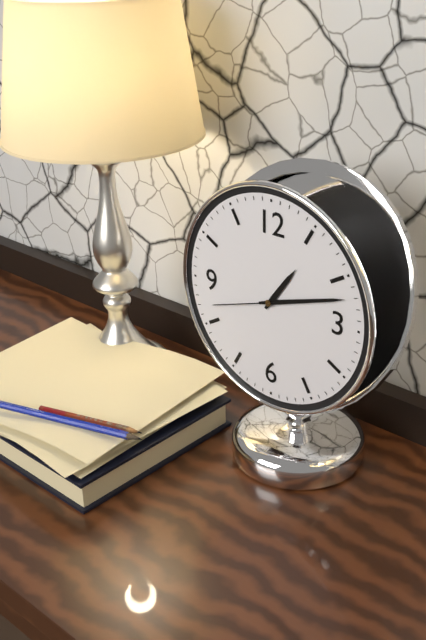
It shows 1:12:42
